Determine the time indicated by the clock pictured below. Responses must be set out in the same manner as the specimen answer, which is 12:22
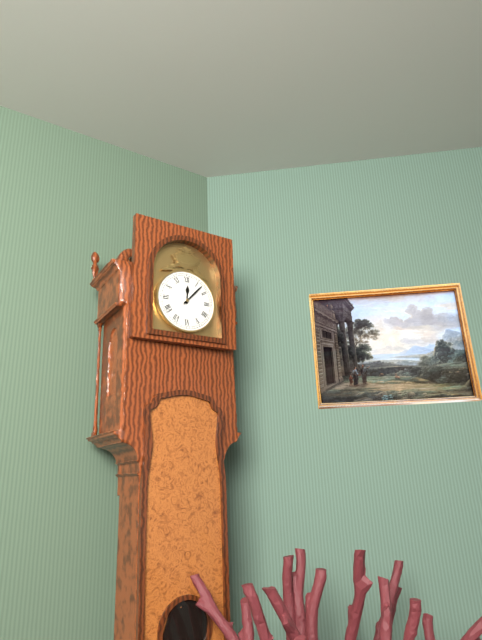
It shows 12:07
